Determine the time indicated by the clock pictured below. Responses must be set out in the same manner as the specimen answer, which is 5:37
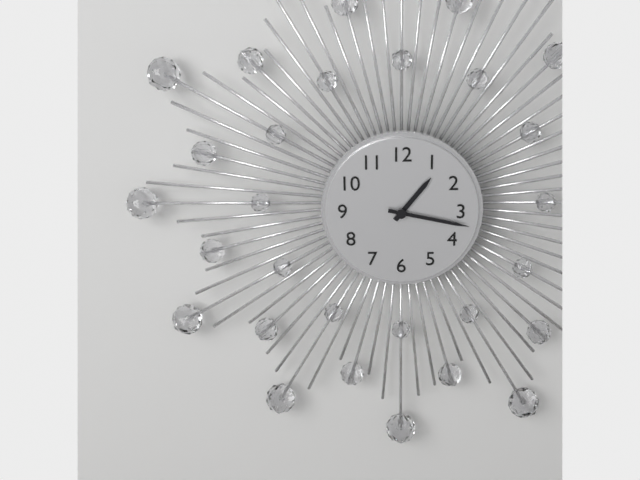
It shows 1:17
